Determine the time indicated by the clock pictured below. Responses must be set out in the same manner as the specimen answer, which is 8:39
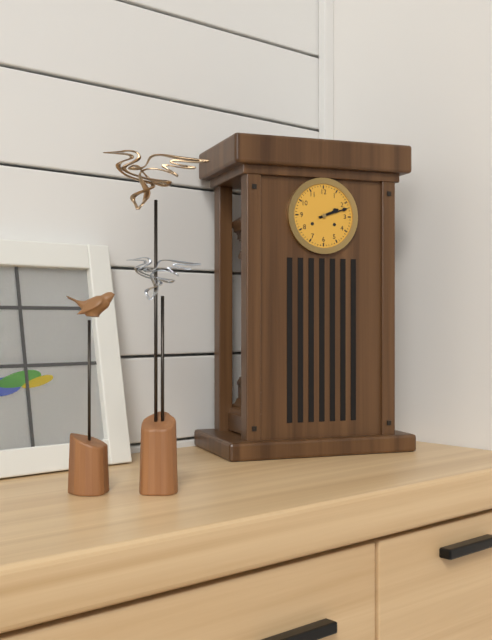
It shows 2:12
